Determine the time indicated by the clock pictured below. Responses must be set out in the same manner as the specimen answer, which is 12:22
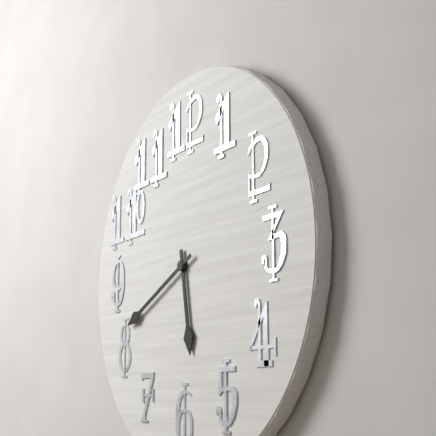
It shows 5:41
